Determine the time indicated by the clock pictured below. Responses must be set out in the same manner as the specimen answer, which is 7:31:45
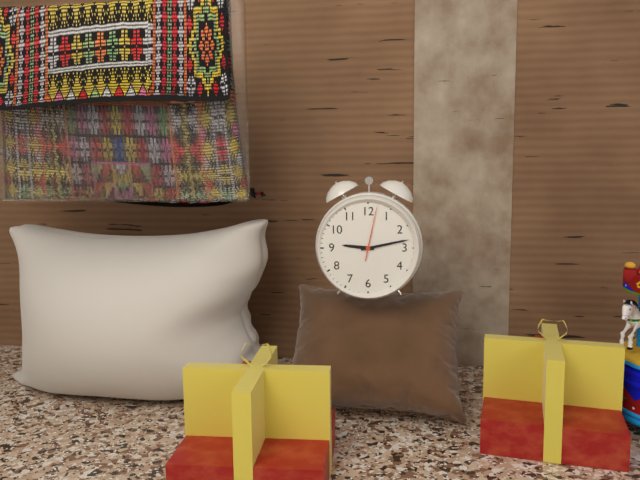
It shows 9:13:02
